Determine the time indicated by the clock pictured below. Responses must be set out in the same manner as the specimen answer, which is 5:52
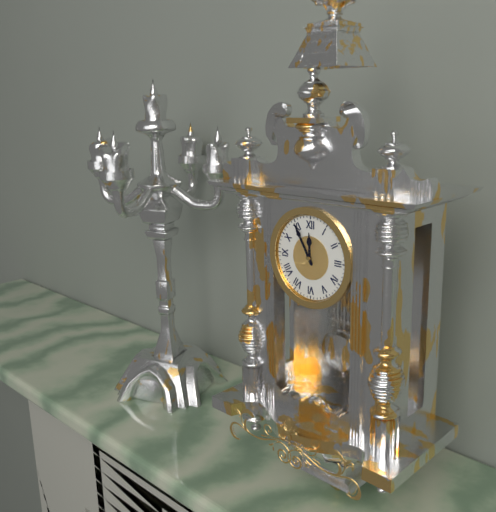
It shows 11:55
